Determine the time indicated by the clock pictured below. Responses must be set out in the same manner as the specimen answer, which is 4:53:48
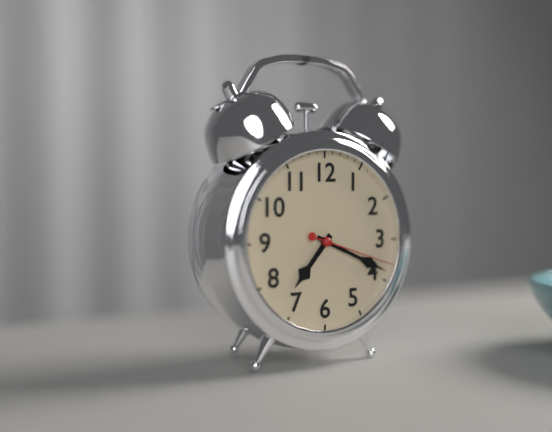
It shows 7:19:18
